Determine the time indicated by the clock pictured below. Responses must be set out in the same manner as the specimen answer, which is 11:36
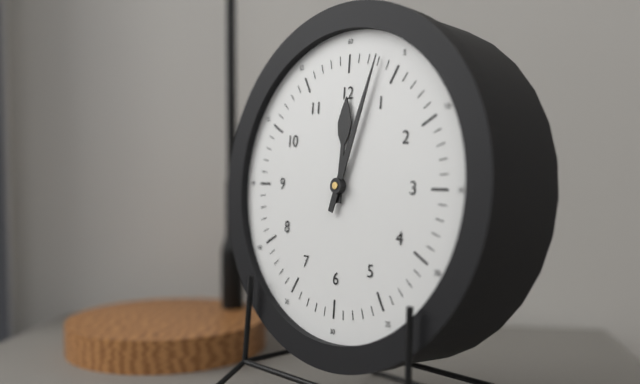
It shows 12:03
